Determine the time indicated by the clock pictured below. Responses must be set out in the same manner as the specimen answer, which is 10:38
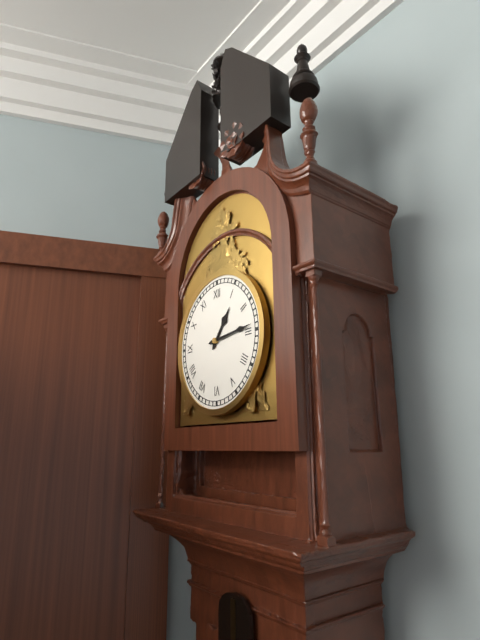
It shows 1:14
